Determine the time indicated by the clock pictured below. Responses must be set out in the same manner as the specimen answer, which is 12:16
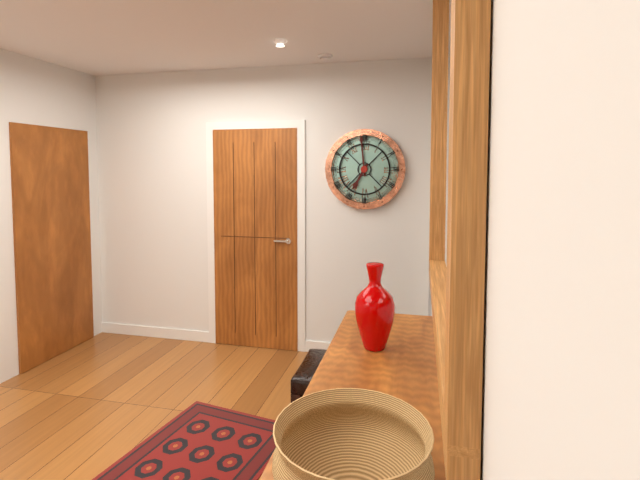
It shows 6:59
